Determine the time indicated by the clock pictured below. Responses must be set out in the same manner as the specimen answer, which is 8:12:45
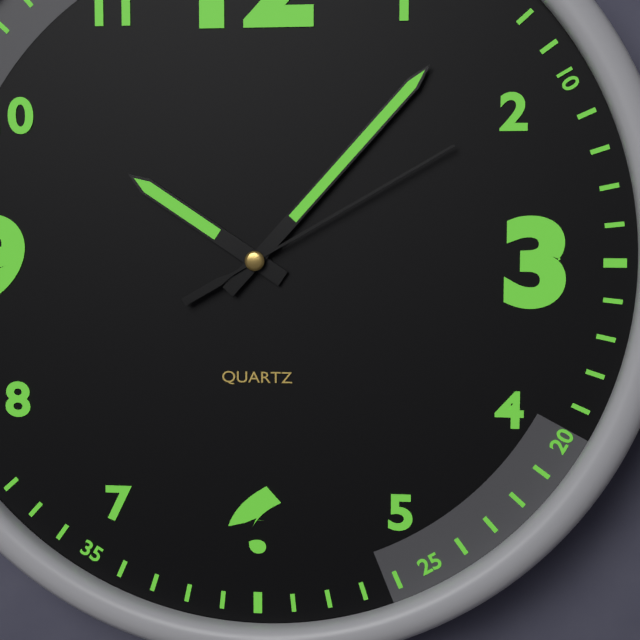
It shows 10:07:10
